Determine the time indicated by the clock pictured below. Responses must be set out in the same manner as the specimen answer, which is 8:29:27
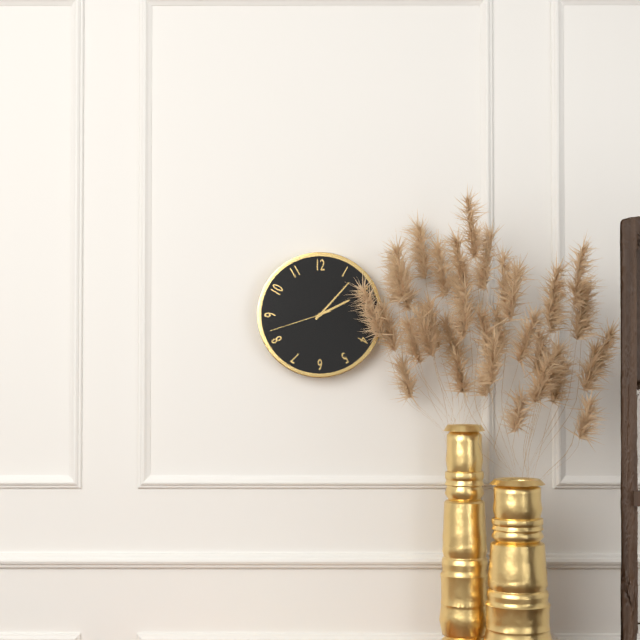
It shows 2:07:42
